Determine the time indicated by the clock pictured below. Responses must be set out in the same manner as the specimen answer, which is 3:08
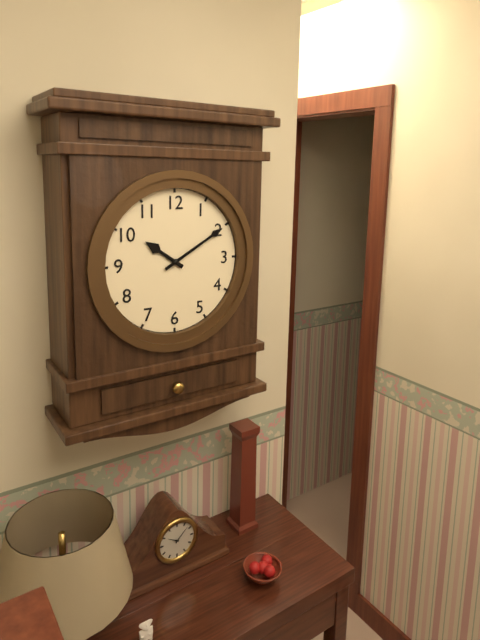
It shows 10:10
